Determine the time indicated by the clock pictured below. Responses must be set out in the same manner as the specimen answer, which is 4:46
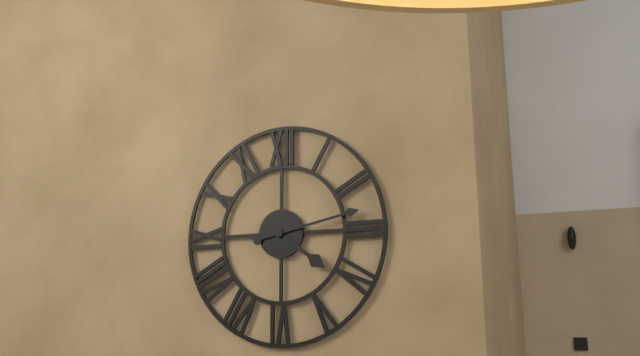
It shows 4:13
